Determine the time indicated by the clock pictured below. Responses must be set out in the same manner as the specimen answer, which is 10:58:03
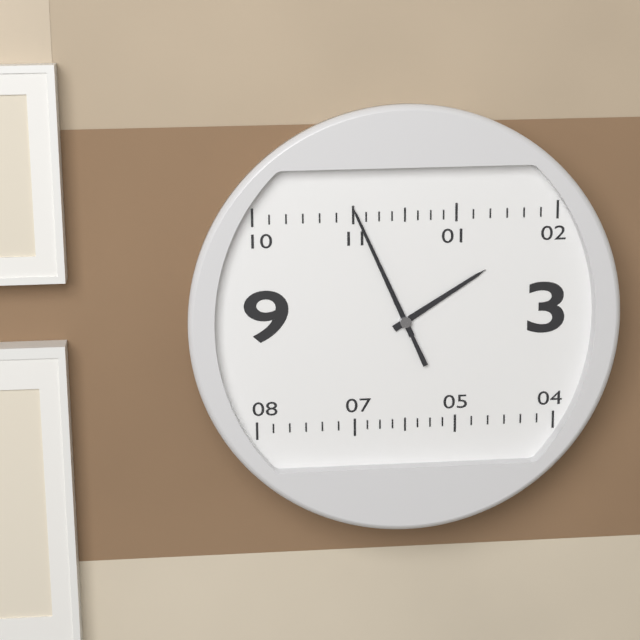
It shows 1:56:56
